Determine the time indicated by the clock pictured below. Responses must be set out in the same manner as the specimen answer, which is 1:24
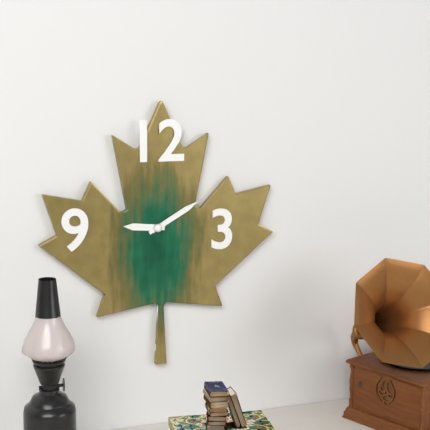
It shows 9:10
